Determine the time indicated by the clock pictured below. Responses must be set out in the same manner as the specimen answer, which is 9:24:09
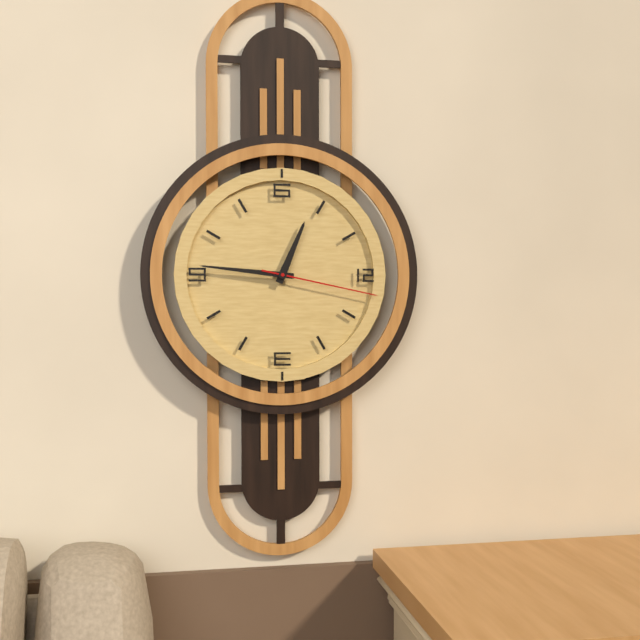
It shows 12:46:17
